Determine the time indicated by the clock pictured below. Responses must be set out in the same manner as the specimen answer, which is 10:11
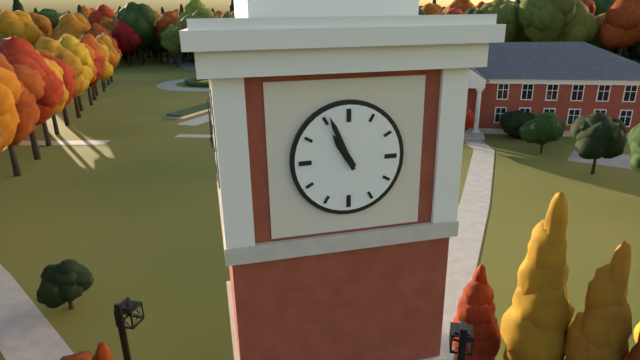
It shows 10:56
